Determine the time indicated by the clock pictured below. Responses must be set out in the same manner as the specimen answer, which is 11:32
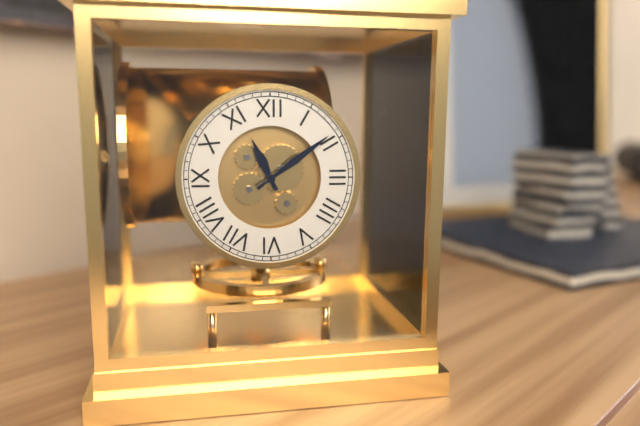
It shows 11:09
